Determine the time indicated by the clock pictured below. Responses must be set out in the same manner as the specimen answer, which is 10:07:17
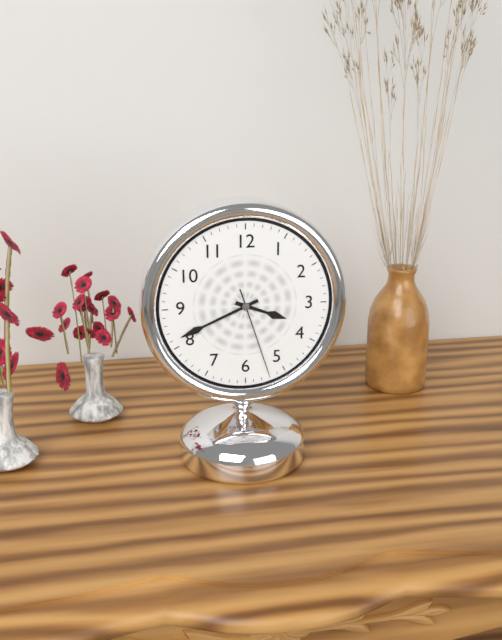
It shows 3:41:27
